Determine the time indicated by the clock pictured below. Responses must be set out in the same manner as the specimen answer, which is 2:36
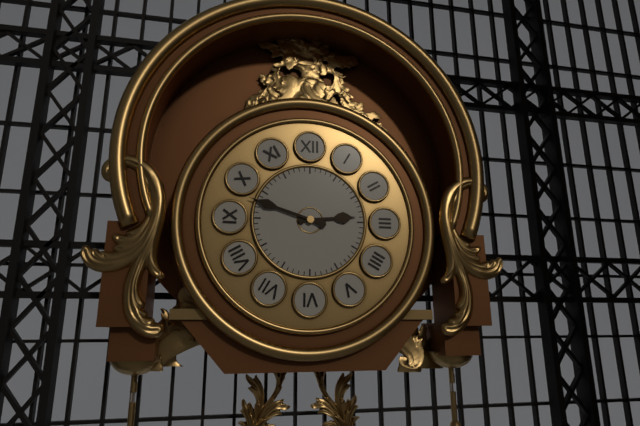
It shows 2:48
